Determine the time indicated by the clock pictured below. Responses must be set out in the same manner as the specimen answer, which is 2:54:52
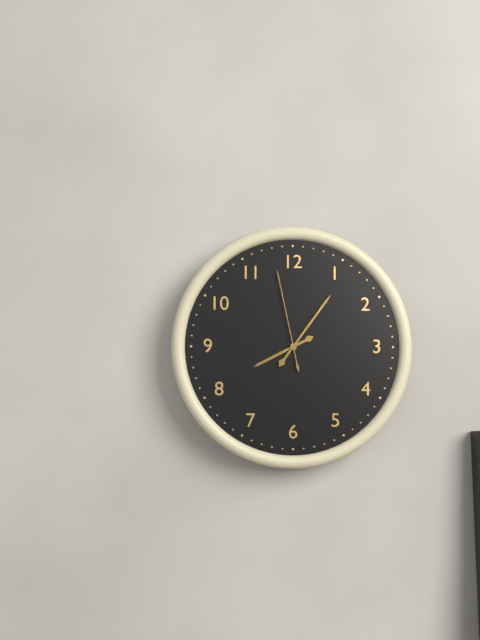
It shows 8:06:58
